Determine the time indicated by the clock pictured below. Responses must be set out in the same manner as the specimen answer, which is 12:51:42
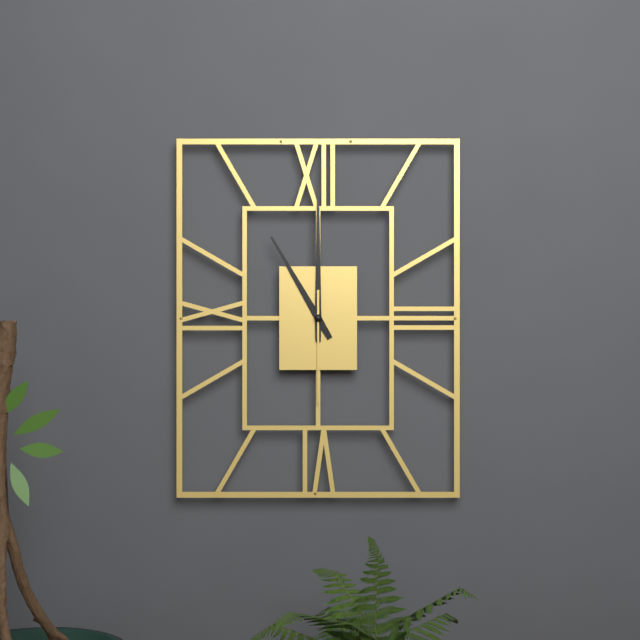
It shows 11:00:30
